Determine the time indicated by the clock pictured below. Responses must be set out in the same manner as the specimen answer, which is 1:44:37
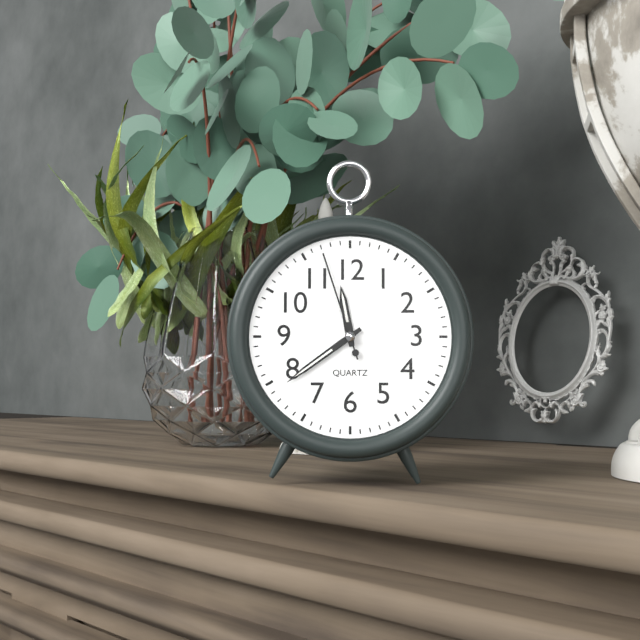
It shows 11:39:57
